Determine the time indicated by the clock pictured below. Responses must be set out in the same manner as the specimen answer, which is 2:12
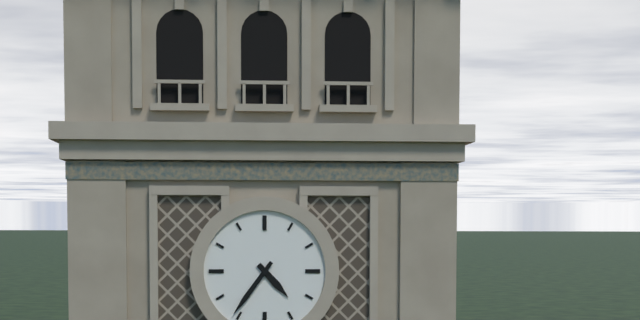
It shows 4:36
